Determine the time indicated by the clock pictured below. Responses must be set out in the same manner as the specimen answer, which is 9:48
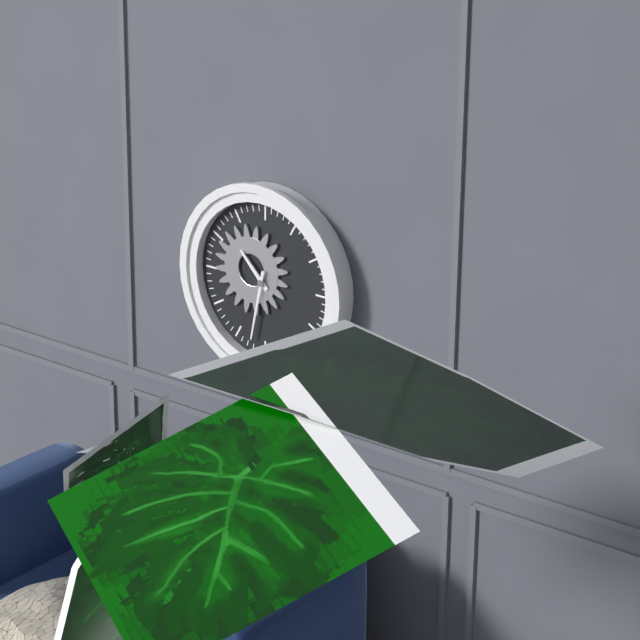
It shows 10:32
